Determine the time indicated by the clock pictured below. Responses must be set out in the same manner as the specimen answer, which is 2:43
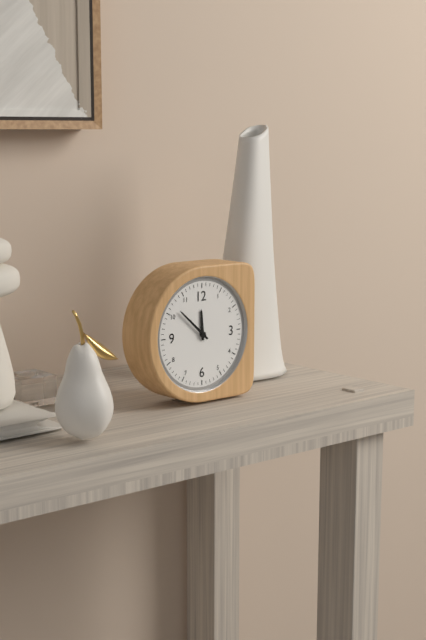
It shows 11:52
